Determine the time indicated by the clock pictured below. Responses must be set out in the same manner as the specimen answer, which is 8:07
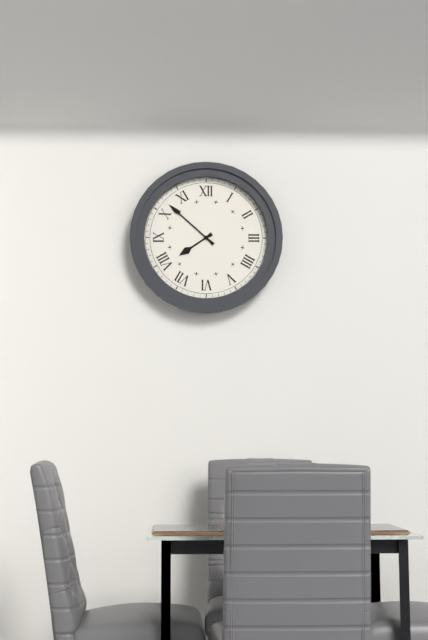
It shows 7:52
